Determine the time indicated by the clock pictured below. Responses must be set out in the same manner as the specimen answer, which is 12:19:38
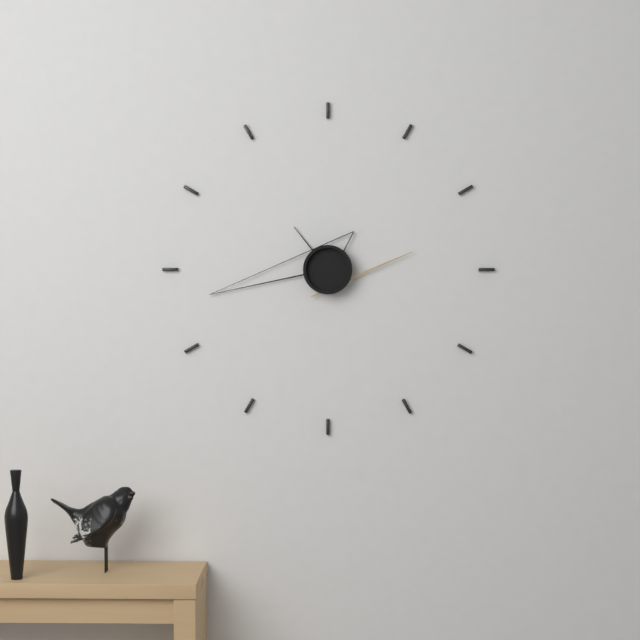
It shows 10:43:13
